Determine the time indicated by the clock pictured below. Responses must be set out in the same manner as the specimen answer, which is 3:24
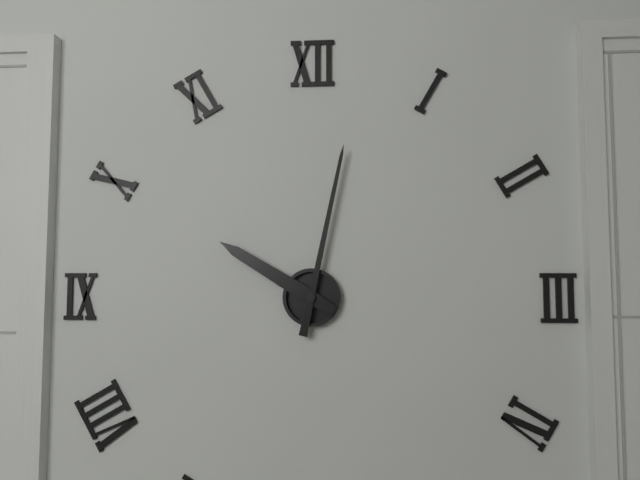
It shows 10:02
